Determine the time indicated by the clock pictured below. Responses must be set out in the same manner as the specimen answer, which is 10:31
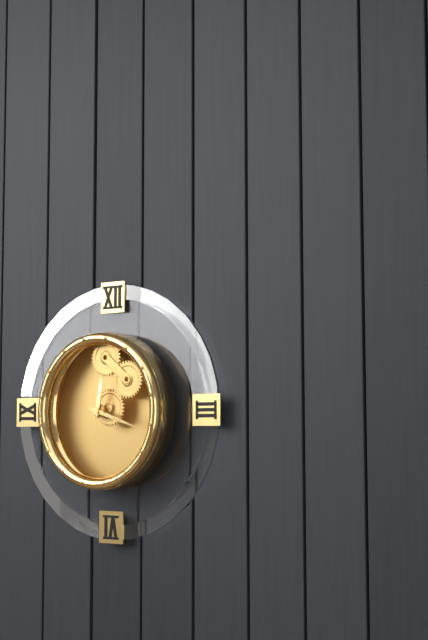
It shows 12:18
